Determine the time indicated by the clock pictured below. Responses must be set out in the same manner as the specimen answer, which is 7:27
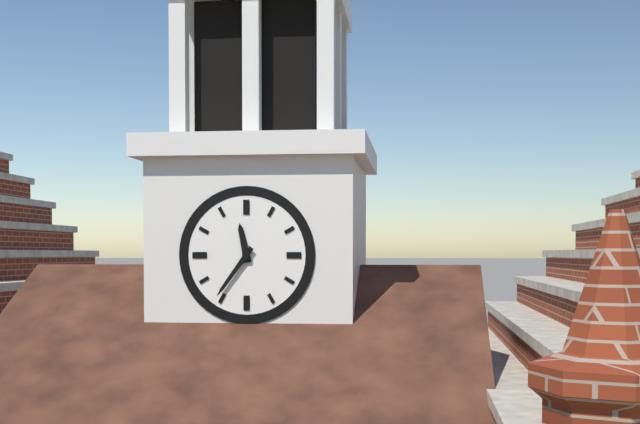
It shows 11:36
